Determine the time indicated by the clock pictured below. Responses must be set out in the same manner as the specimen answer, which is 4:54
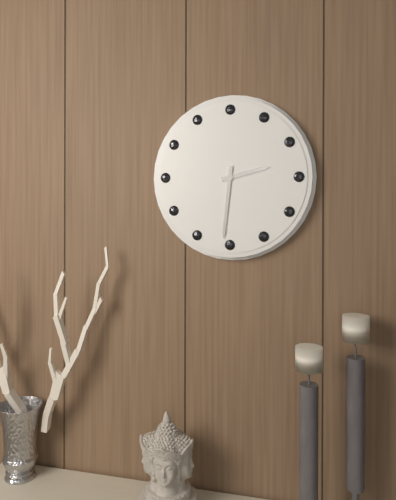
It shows 2:31
